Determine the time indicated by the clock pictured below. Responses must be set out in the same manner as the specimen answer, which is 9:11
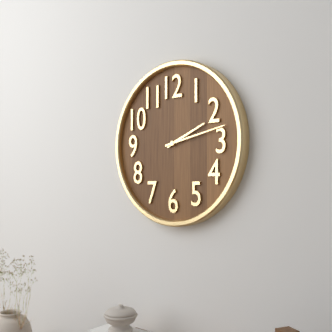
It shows 2:13
